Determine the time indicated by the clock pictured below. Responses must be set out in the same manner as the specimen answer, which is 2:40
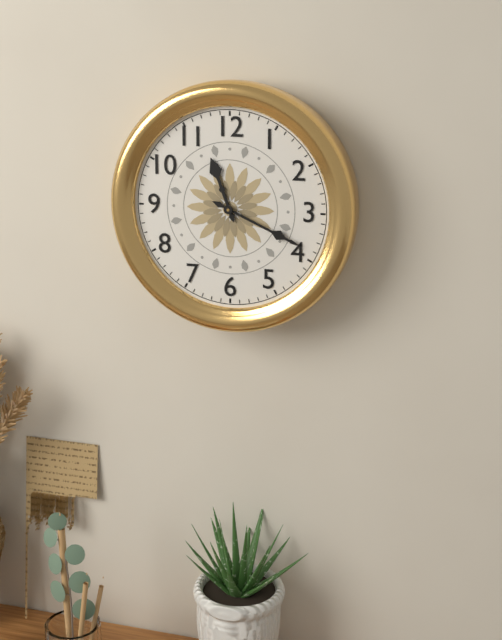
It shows 11:19
